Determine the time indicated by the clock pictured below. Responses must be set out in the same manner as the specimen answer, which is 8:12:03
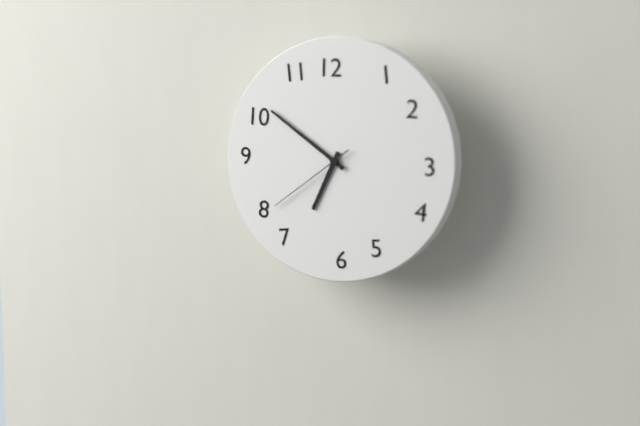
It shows 6:51:39
